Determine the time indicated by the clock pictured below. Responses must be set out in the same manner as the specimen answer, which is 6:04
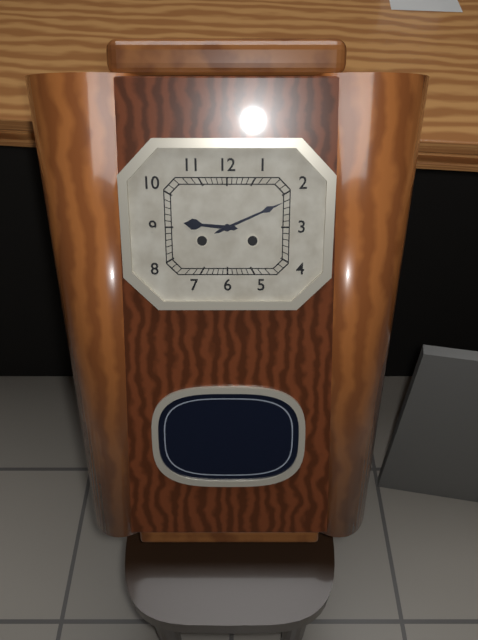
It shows 9:11
